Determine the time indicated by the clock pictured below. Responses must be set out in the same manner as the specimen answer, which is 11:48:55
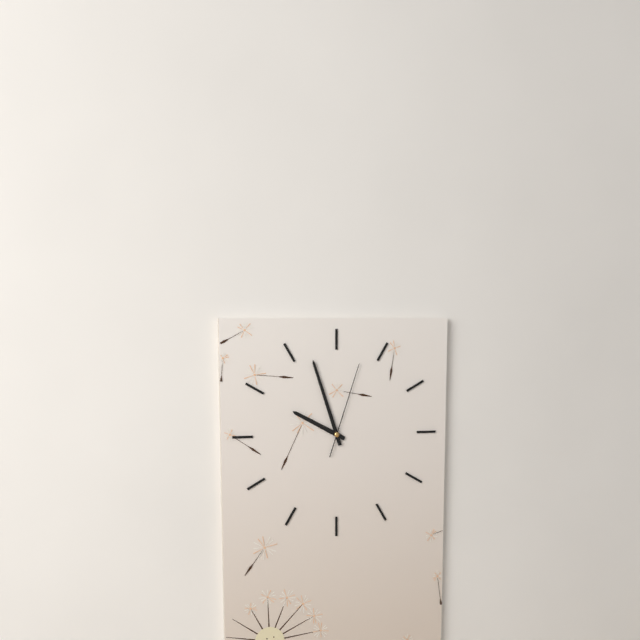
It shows 9:57:03
